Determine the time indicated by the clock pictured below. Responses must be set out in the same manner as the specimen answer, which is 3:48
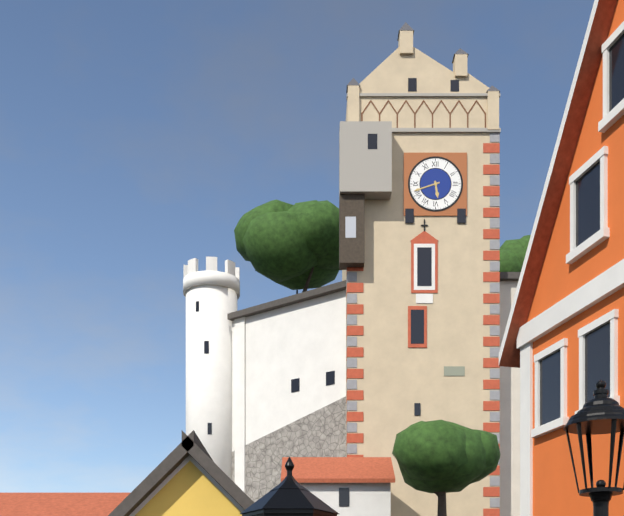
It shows 5:42
